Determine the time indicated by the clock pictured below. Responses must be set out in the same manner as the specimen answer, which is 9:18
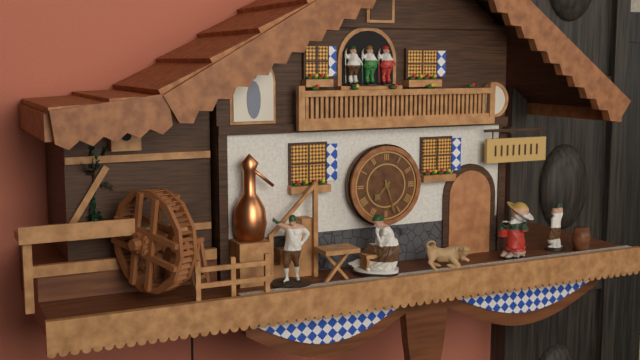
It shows 7:27
